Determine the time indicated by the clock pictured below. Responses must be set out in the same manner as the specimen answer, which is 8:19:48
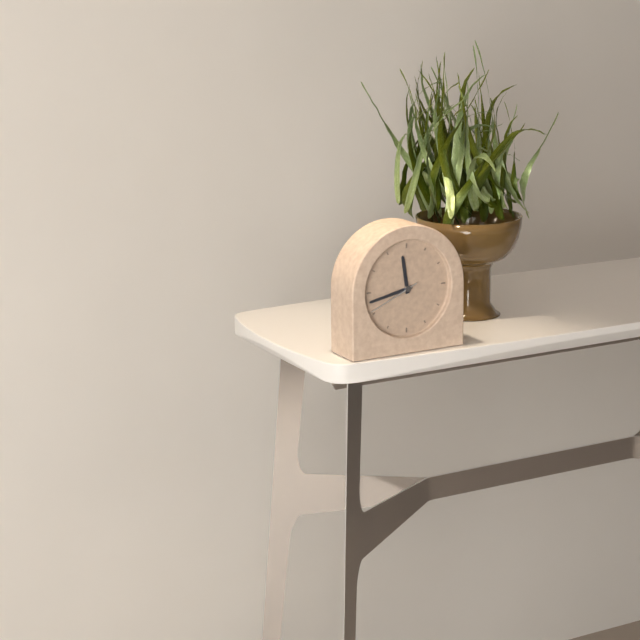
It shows 11:43:41
